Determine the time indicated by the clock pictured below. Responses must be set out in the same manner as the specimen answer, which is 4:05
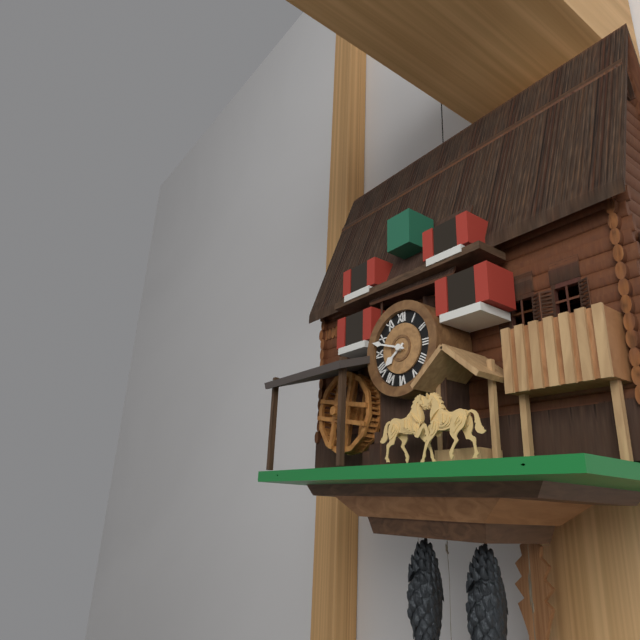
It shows 7:48
